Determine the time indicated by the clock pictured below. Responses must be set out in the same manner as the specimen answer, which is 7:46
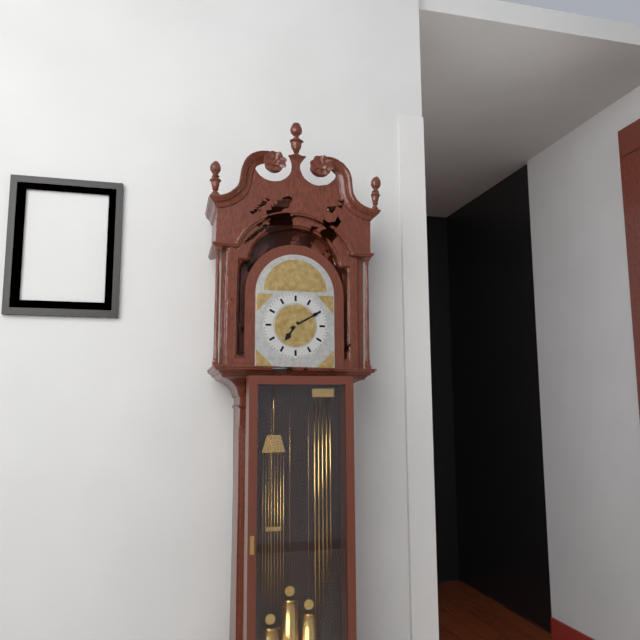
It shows 7:10
